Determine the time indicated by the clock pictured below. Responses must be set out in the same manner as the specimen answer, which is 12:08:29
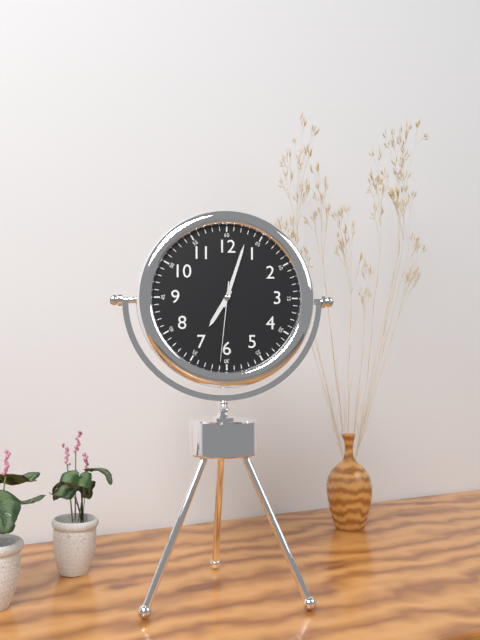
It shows 7:03:31
